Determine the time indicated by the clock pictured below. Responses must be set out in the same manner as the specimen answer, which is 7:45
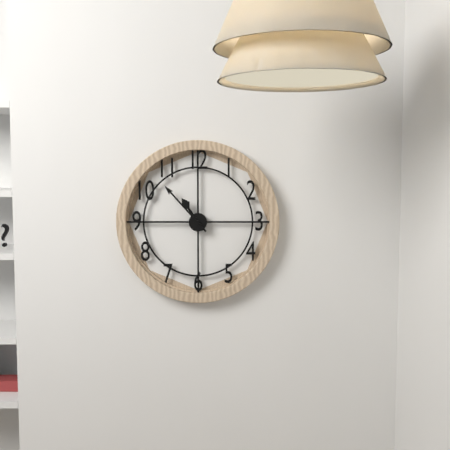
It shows 10:53
